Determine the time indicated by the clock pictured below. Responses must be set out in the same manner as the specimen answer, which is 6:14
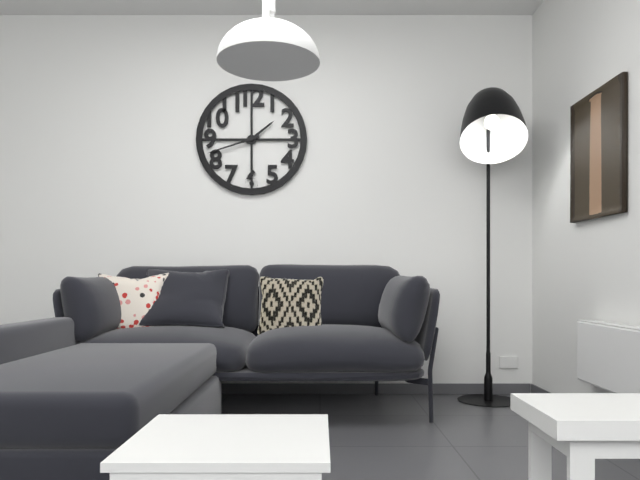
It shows 1:42
